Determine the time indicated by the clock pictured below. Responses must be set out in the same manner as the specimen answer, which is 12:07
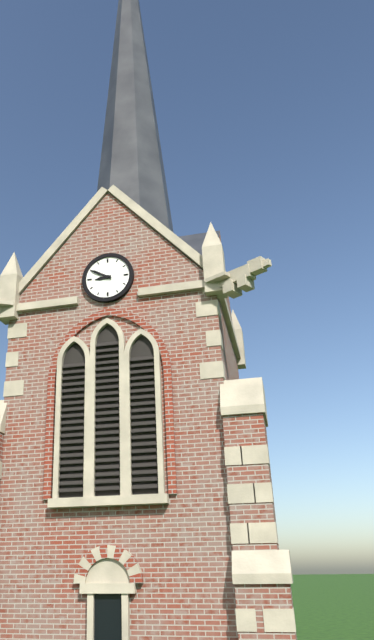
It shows 8:50
